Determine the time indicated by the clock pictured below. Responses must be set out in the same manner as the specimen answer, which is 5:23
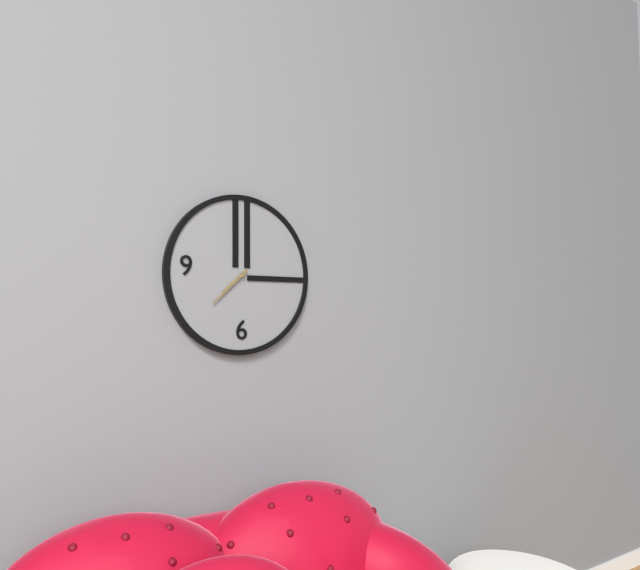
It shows 7:38
